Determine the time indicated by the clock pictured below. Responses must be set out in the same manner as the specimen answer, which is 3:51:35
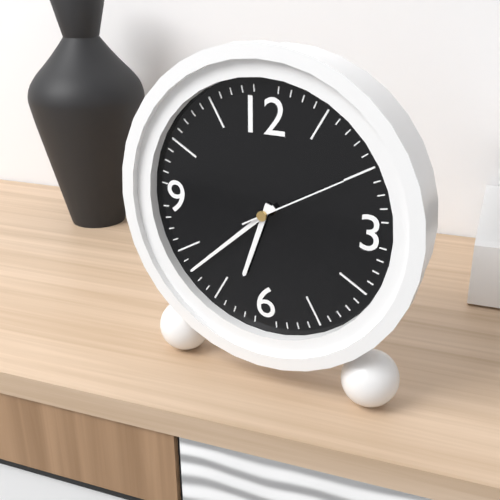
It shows 6:38:10
